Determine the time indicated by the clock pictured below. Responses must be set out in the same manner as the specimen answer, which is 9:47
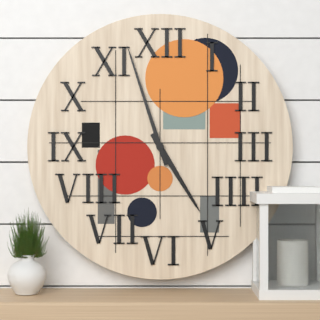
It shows 4:57
